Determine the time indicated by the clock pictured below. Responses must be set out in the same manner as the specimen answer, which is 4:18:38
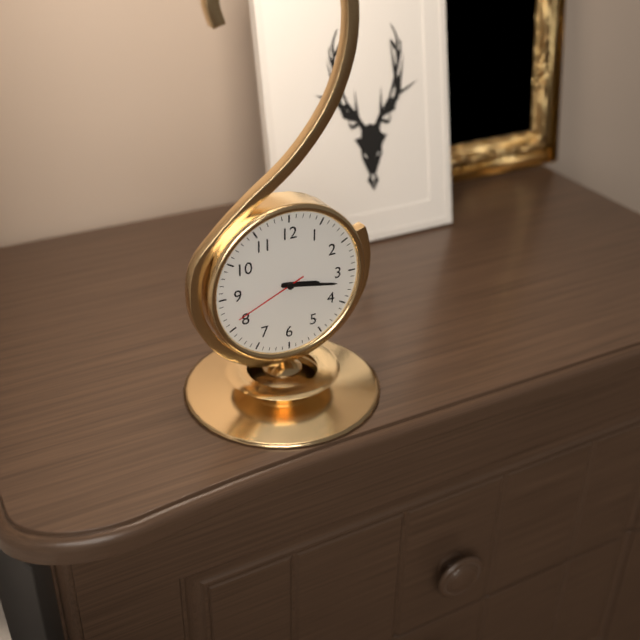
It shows 3:17:41
